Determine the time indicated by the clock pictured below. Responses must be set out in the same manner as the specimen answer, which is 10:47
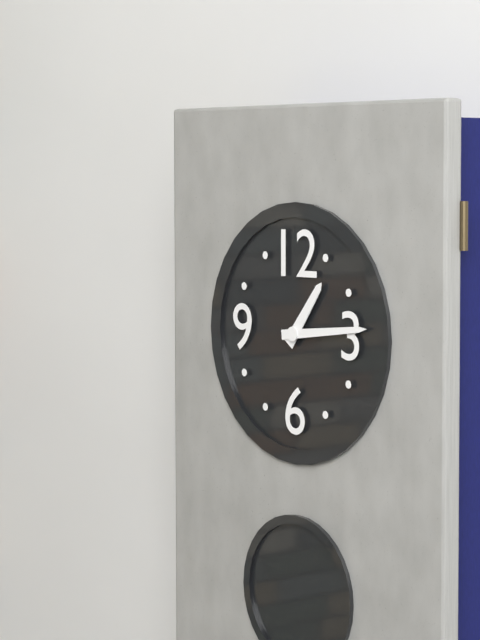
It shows 1:14
